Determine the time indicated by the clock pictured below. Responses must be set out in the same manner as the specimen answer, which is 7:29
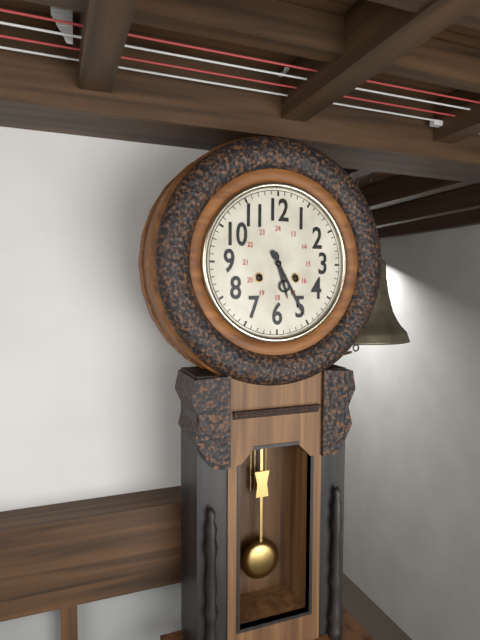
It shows 5:25
